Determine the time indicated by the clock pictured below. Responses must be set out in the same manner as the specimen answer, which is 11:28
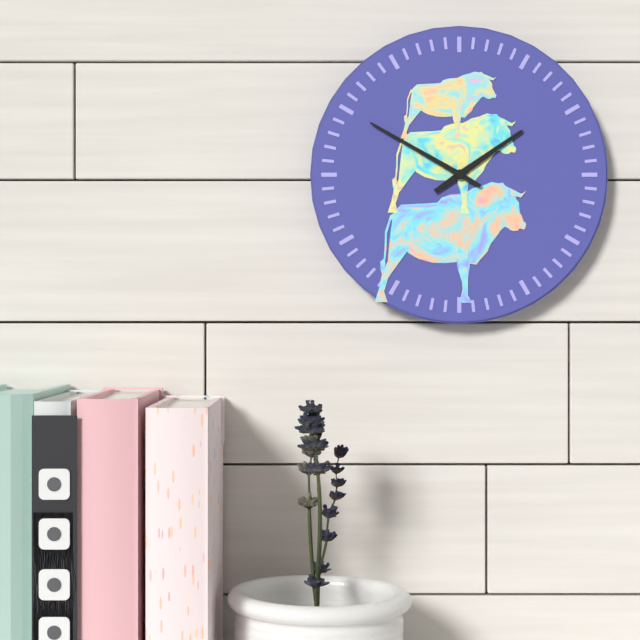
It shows 1:50
